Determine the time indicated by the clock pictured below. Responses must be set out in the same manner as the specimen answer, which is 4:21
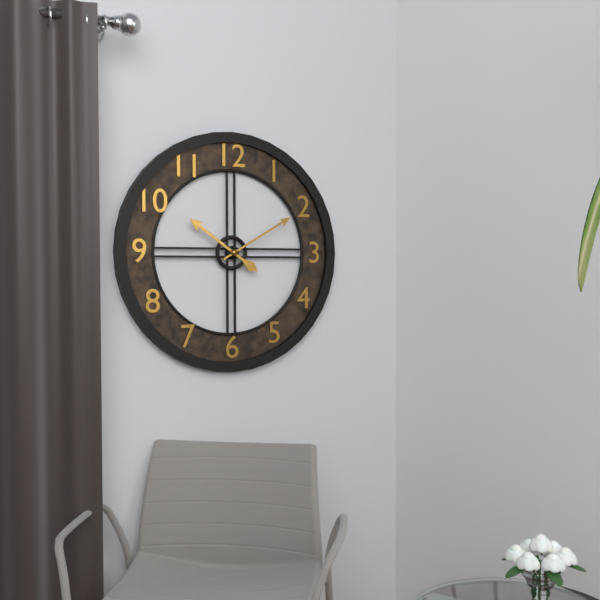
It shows 10:10
